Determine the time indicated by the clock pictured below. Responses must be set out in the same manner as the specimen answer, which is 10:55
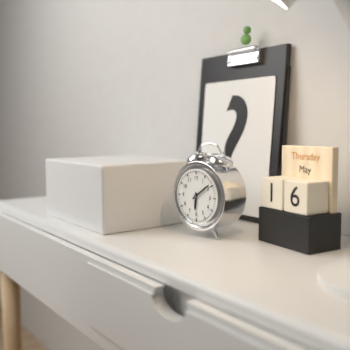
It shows 6:09
